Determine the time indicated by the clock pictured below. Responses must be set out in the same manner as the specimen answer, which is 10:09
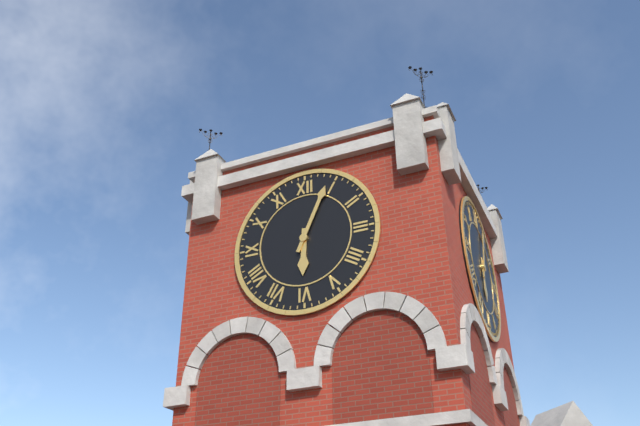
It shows 6:04
